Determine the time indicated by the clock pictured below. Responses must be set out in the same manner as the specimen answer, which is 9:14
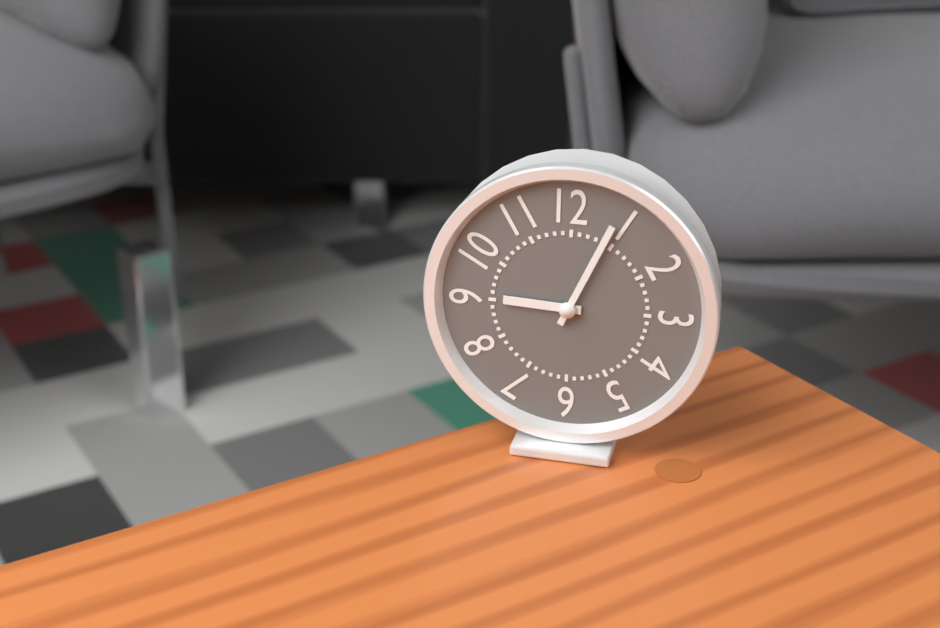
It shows 9:04
